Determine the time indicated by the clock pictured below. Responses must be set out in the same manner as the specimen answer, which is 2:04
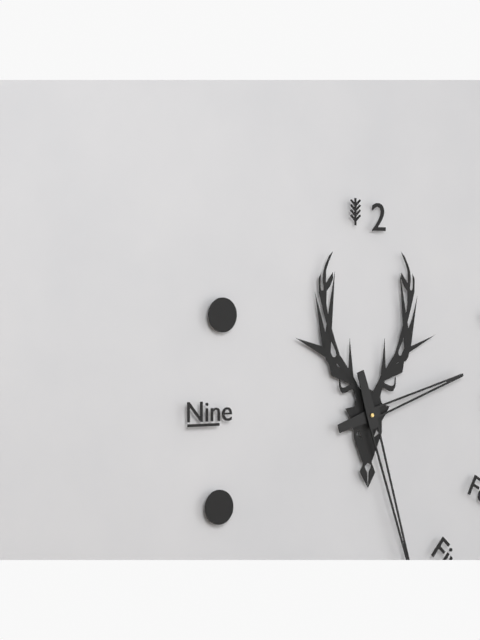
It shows 2:27
